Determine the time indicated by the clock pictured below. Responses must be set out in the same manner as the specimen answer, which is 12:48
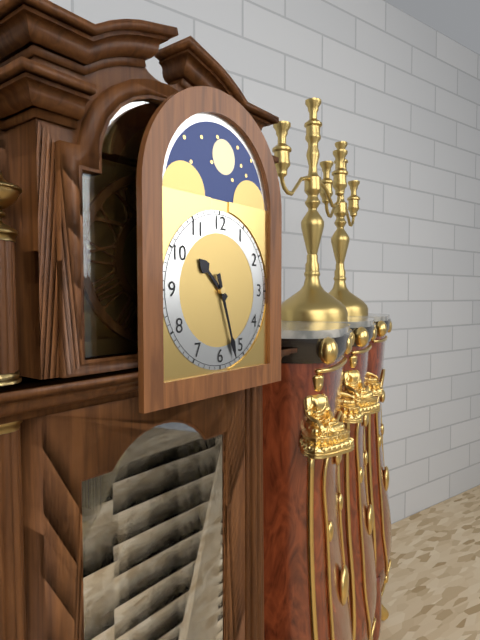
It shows 10:27
